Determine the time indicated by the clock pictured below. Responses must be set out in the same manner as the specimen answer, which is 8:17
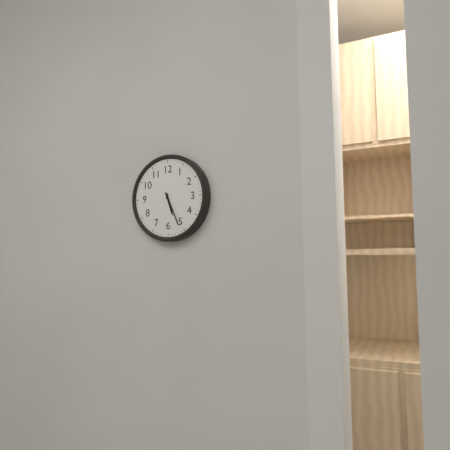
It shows 5:26
